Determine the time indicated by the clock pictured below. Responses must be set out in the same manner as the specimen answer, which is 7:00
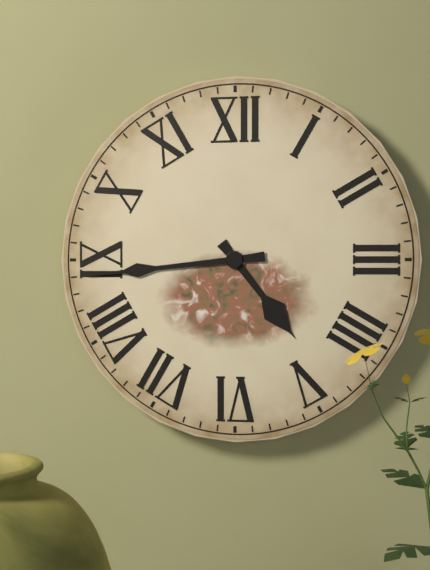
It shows 4:44
